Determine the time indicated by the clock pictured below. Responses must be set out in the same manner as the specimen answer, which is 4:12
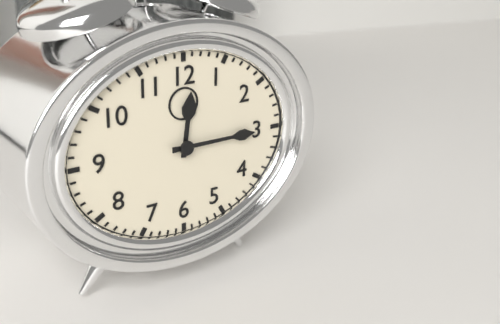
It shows 12:15
